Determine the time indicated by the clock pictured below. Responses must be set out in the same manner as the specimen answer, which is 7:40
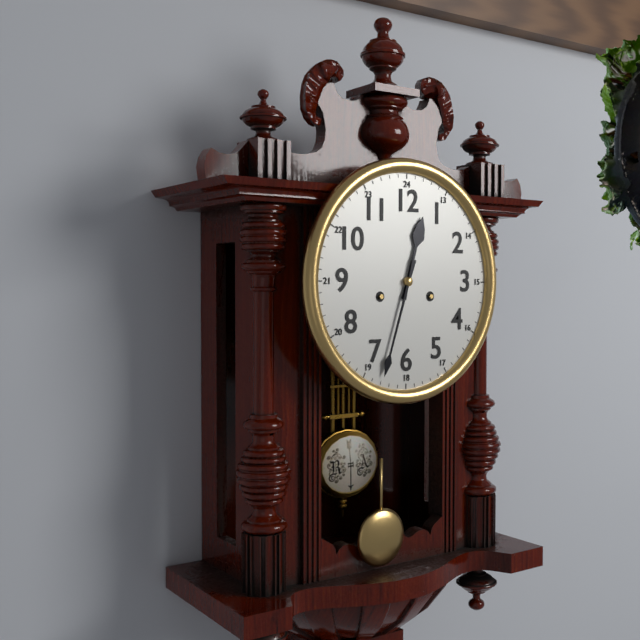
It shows 12:33
